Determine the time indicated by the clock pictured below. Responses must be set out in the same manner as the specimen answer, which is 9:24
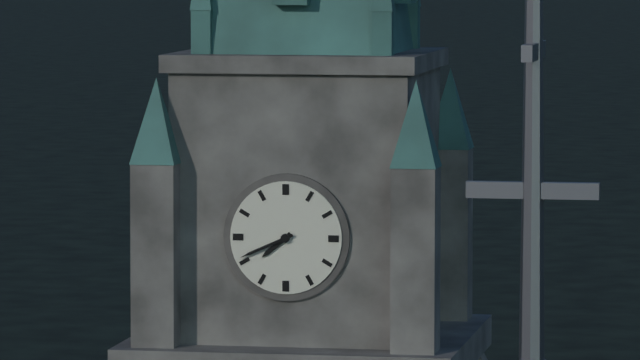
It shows 7:41
